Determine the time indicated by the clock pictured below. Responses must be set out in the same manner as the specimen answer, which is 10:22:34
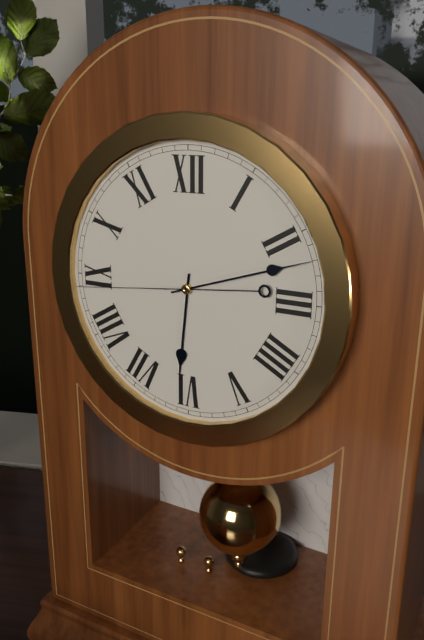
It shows 6:12:44
